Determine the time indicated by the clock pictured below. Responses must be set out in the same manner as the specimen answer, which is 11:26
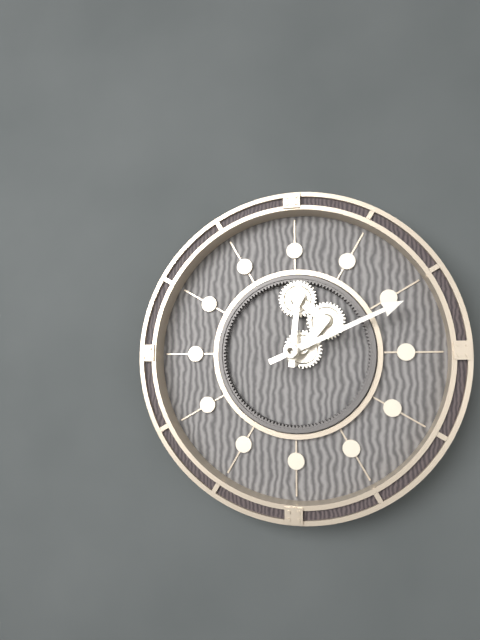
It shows 12:11
